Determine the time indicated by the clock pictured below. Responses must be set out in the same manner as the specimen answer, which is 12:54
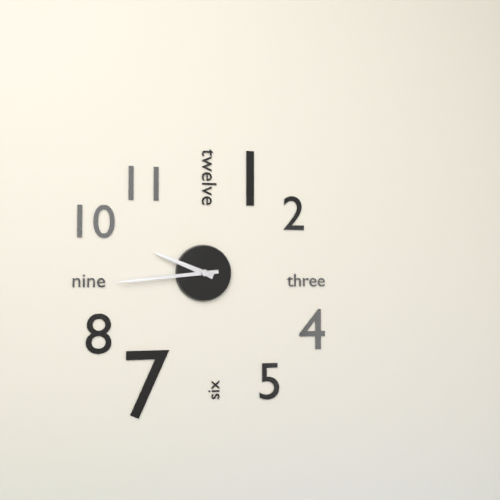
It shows 9:44
